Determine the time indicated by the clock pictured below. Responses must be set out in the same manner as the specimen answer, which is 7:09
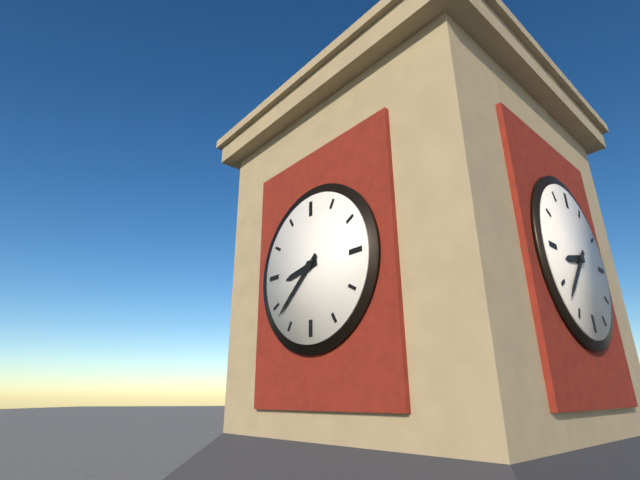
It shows 8:38
